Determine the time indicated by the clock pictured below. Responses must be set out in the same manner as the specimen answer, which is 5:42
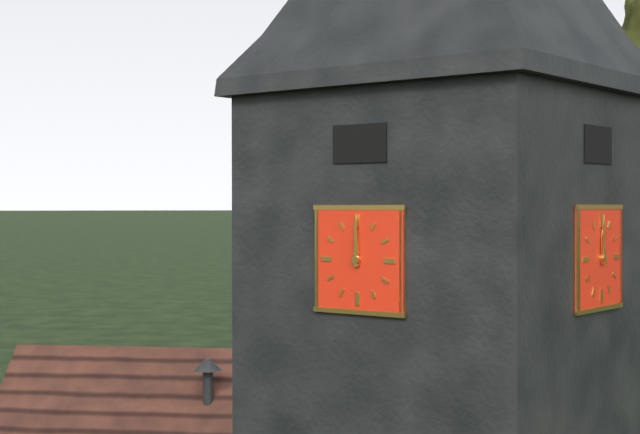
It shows 12:00
